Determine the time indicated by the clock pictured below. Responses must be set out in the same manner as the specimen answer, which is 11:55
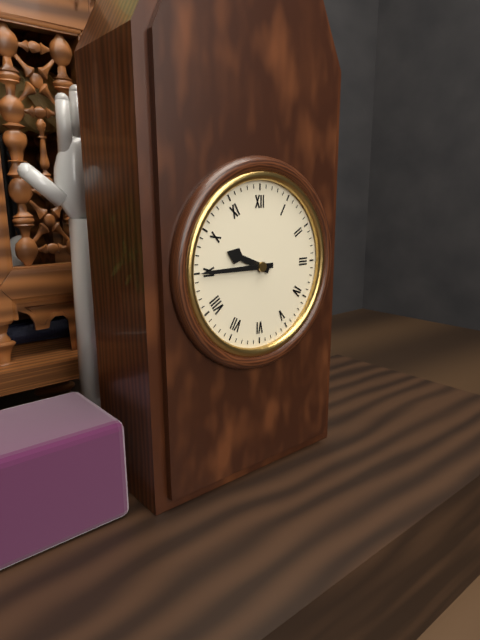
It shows 9:45
